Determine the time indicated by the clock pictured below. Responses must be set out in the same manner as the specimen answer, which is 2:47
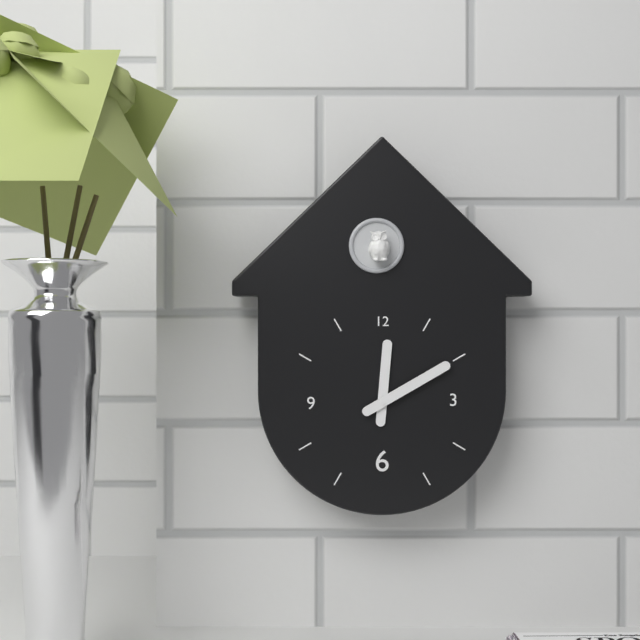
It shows 12:10
